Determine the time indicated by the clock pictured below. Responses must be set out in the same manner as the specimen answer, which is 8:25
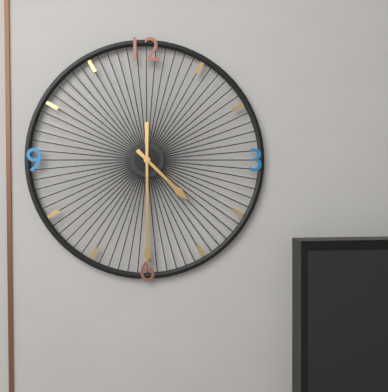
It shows 4:30
